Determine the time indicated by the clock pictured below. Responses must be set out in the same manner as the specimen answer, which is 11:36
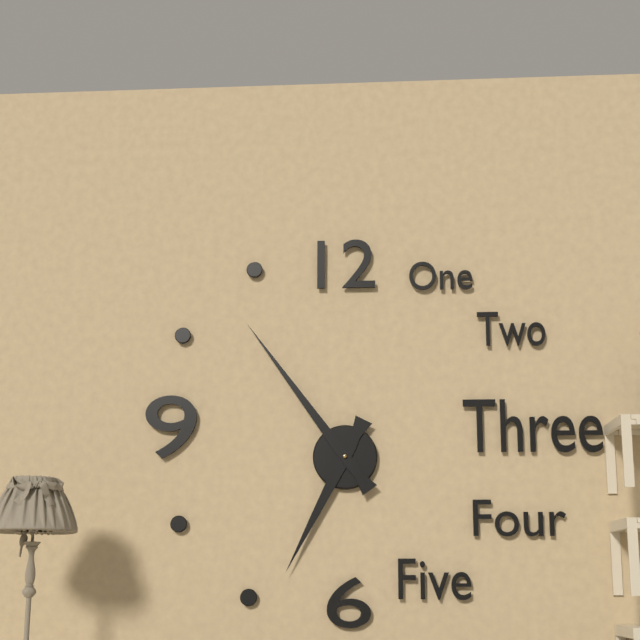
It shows 6:54
